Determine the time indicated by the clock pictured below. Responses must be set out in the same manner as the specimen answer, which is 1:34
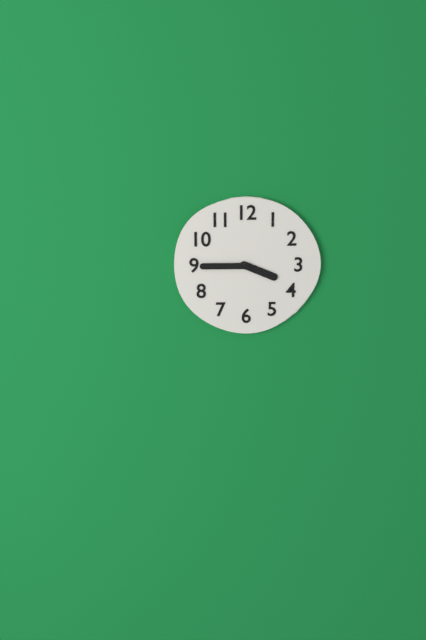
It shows 3:45
